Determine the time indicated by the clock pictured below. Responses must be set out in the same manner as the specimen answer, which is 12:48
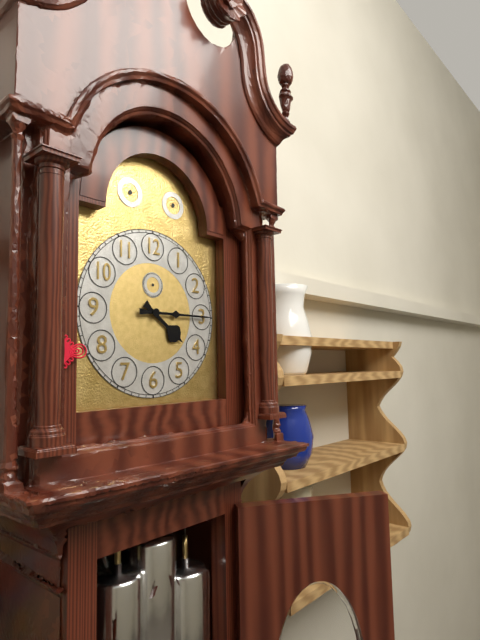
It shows 4:15
